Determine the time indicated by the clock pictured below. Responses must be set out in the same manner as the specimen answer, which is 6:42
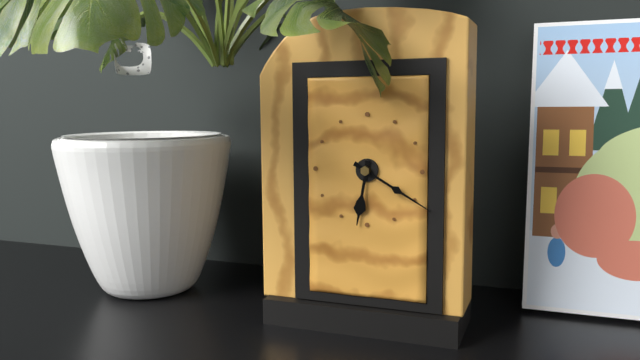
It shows 6:20
